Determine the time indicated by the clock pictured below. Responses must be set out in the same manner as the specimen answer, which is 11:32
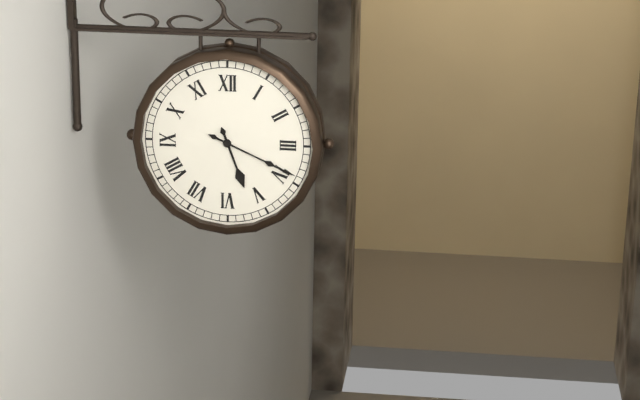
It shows 5:19
